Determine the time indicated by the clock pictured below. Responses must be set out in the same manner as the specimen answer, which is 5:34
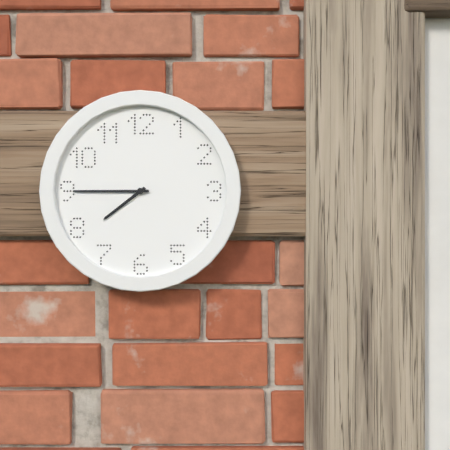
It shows 7:45
